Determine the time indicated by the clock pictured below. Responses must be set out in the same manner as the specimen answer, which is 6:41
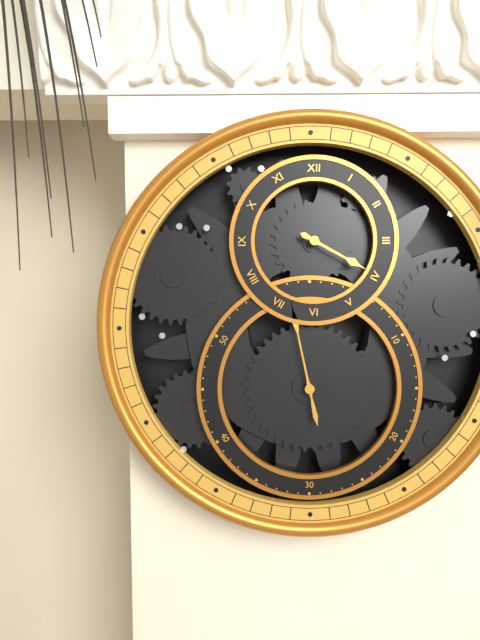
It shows 3:58
